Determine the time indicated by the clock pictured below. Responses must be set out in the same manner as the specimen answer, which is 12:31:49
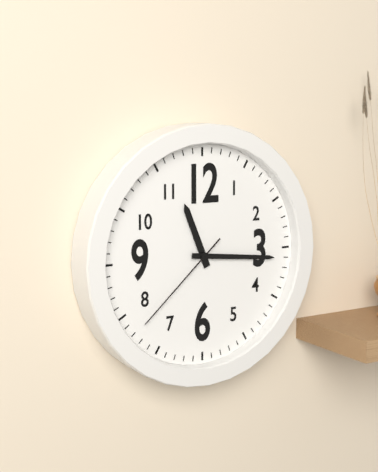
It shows 11:16:38
